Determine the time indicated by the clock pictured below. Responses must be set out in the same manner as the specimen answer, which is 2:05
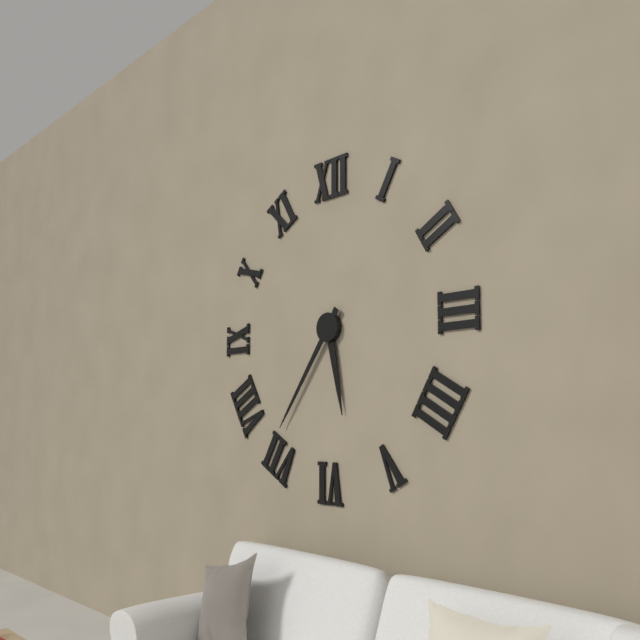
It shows 5:36
